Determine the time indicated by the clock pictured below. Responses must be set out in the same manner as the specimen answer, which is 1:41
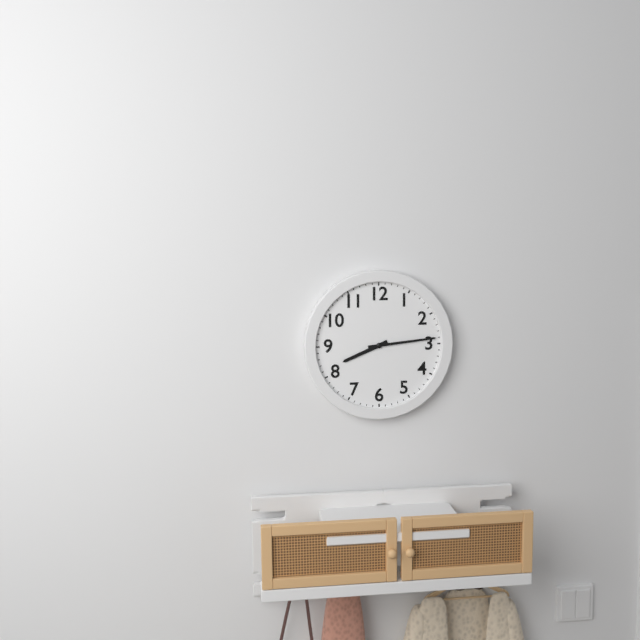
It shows 8:14
